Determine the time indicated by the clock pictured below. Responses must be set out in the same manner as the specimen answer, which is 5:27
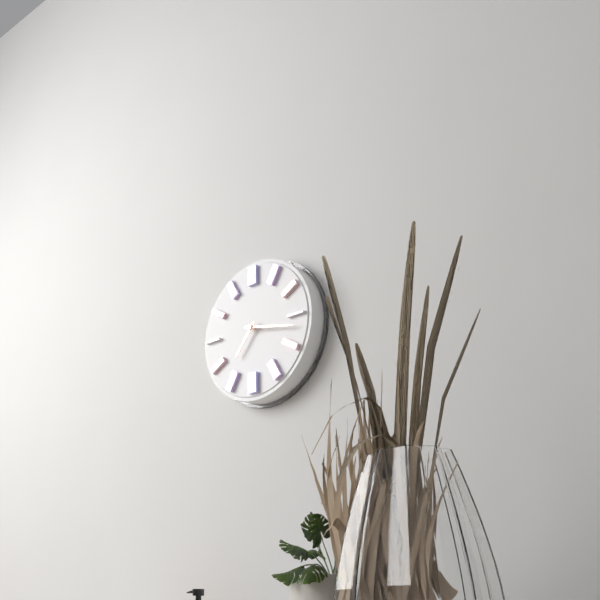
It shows 7:17
